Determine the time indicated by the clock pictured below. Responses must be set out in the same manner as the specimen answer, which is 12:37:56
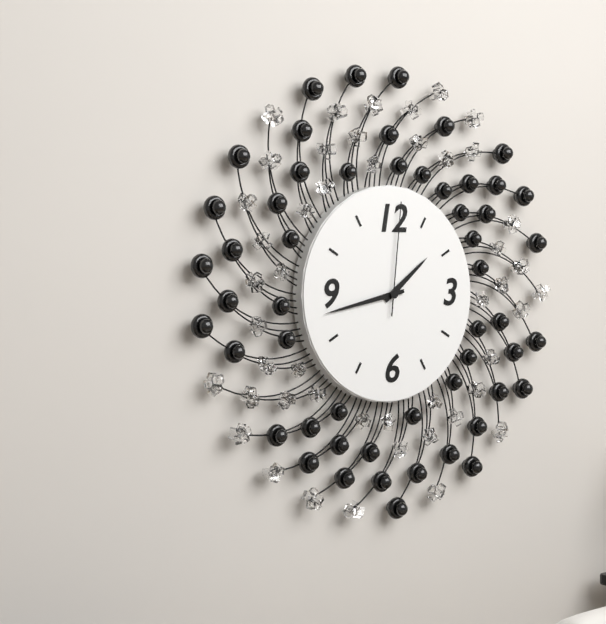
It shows 1:43:01
